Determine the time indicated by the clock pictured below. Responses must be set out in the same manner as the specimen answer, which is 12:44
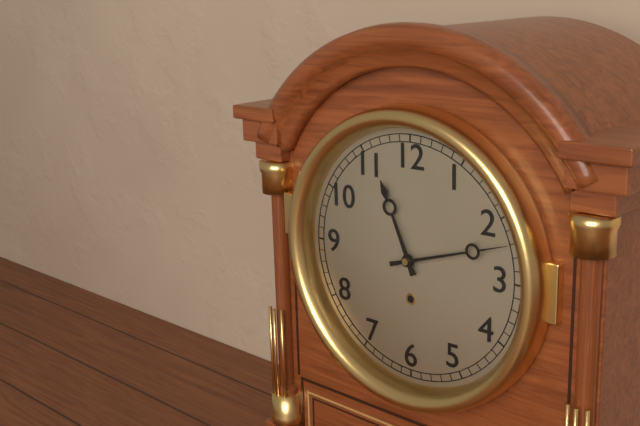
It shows 11:12
